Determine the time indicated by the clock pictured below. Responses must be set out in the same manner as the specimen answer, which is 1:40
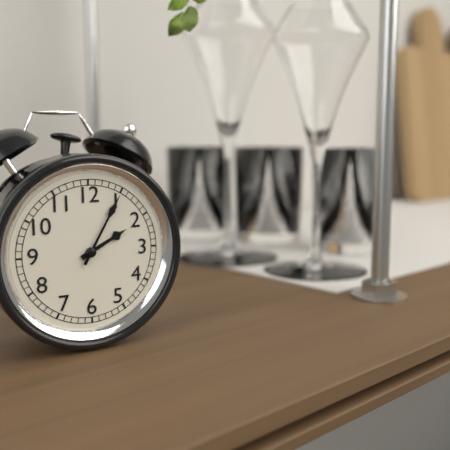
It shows 2:05
